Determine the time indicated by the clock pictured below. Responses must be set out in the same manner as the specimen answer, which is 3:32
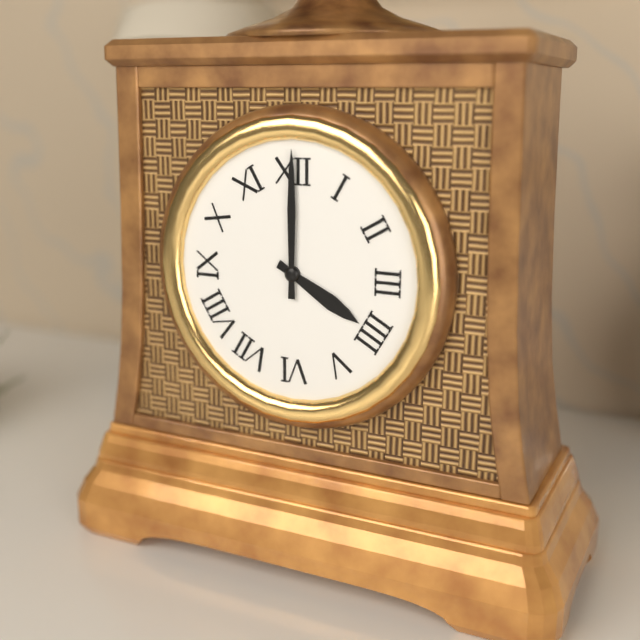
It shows 4:00
